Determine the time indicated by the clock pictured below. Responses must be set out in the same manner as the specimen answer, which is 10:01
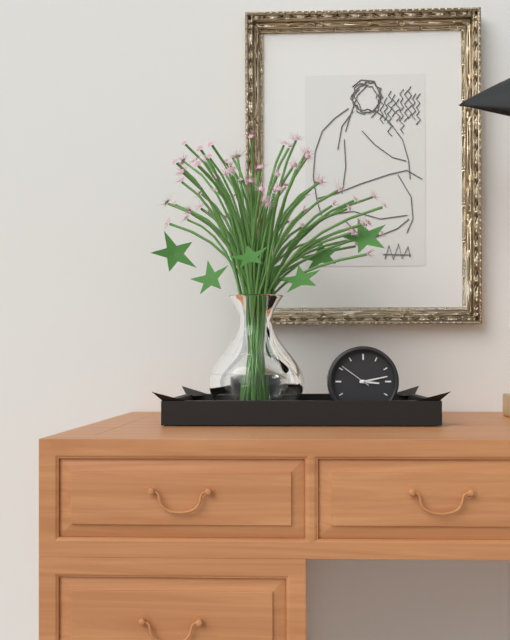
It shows 3:13
